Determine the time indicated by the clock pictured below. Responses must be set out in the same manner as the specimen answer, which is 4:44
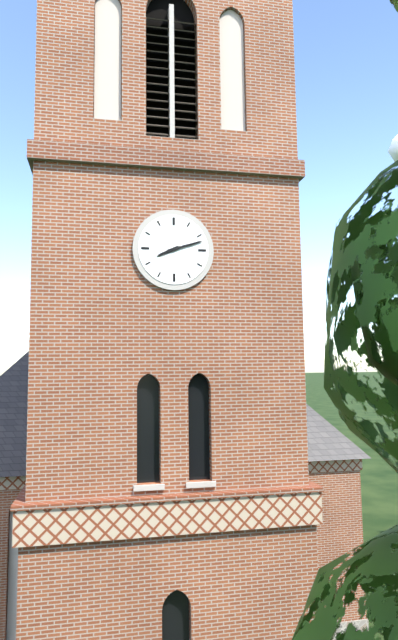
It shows 8:12
